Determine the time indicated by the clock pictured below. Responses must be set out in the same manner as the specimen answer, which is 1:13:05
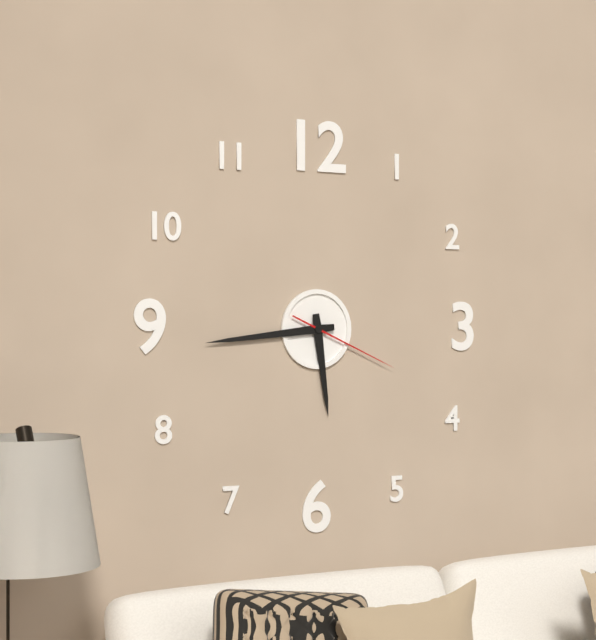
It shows 5:44:19
